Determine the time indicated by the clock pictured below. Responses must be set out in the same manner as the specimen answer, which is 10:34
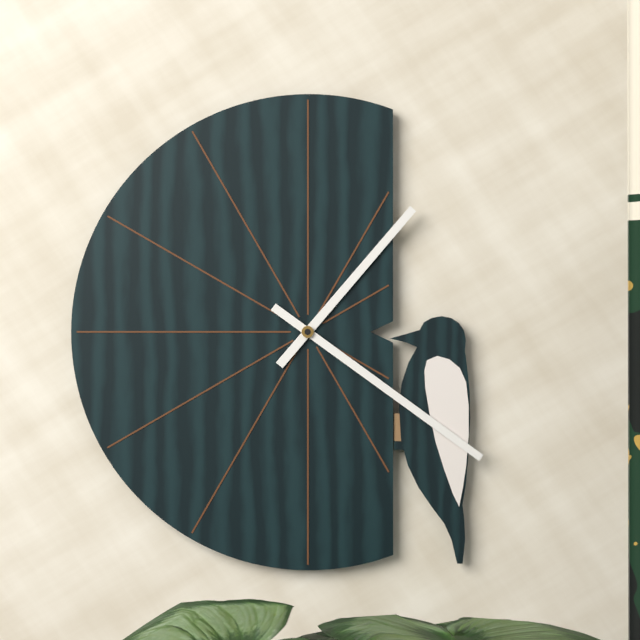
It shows 1:21
